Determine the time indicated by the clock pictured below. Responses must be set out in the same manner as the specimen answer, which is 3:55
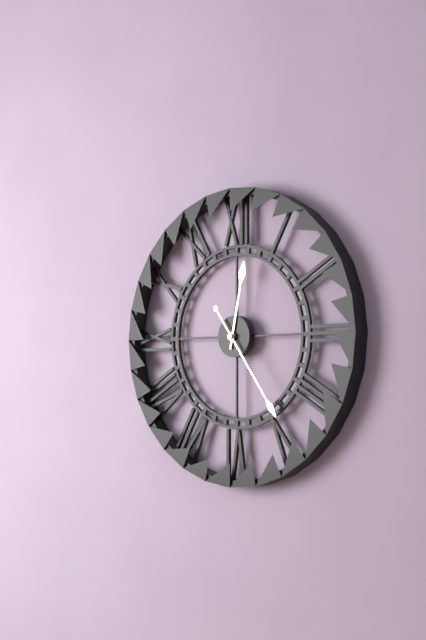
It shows 12:24
